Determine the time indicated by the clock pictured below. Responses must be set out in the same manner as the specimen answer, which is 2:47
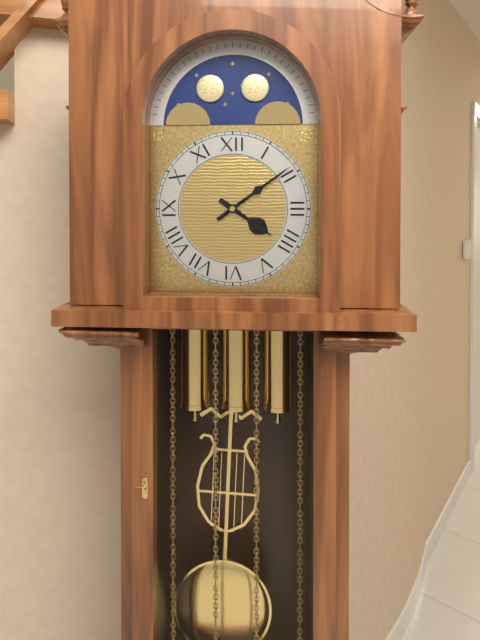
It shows 4:09
